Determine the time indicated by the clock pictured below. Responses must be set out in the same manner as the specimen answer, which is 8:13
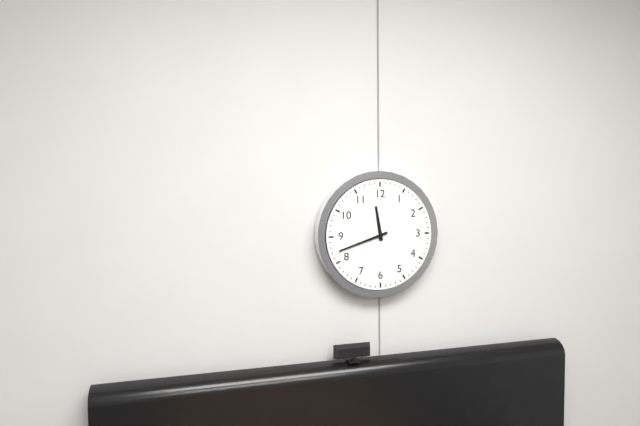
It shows 11:42
